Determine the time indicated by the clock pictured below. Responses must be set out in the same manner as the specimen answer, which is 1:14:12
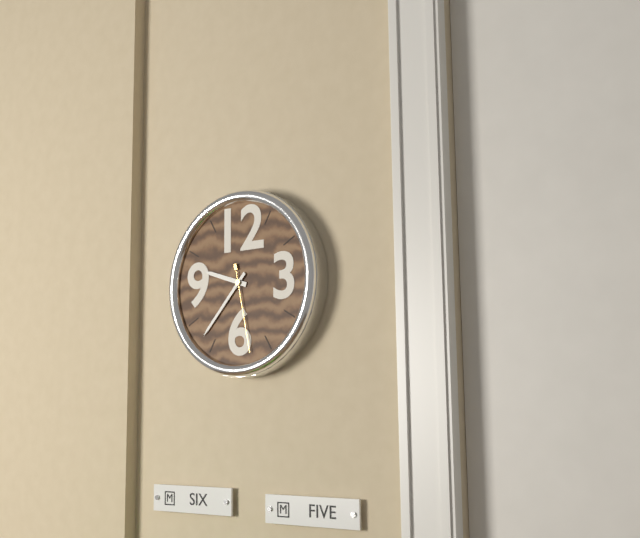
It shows 9:37:28
